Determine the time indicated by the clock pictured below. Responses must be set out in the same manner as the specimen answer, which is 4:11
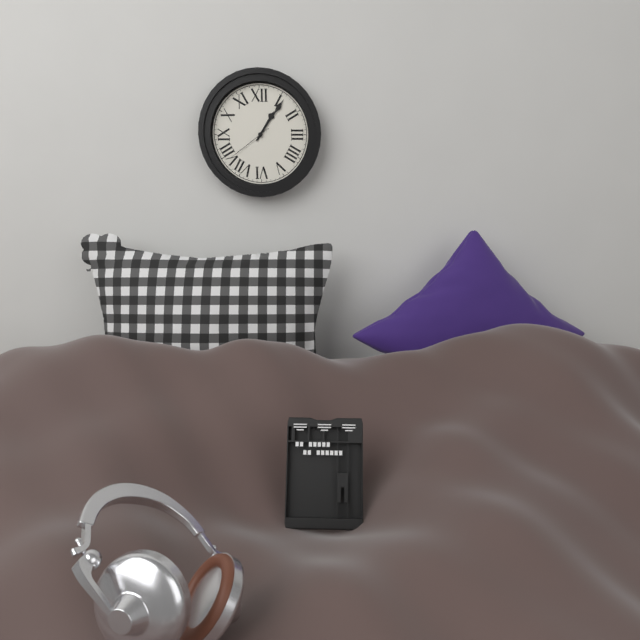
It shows 1:06
